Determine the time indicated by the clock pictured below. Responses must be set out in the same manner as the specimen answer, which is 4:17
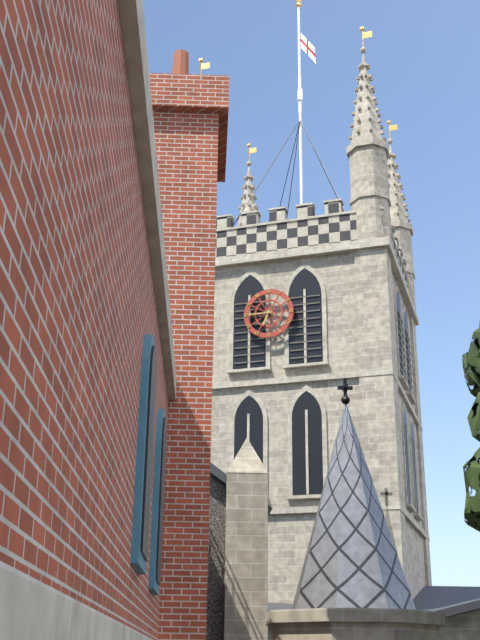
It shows 6:45
